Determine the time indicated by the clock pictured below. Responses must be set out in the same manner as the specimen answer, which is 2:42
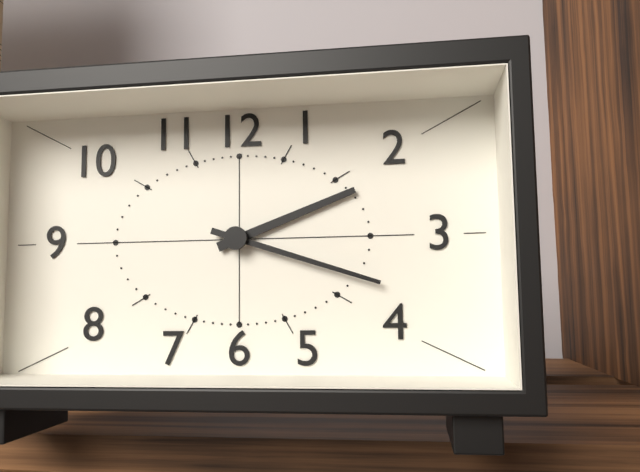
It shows 2:18
